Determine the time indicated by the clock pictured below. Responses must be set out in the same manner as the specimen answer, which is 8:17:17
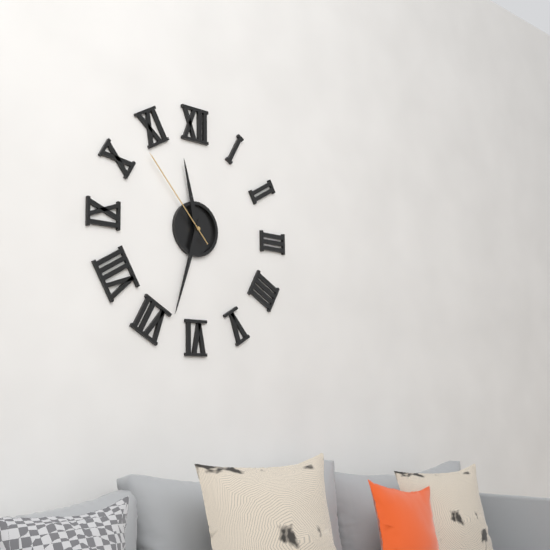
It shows 11:33:53
